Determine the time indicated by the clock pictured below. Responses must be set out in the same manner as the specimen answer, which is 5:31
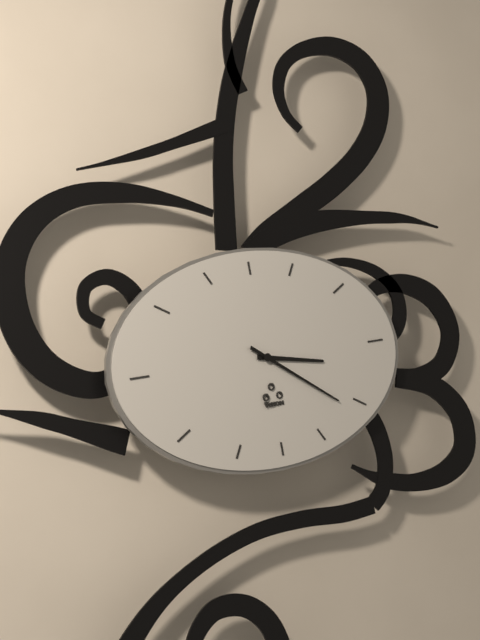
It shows 3:21
